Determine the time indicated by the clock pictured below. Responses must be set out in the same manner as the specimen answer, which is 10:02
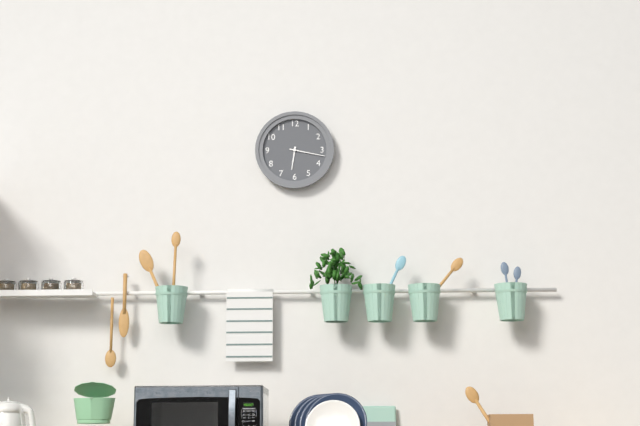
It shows 6:17
